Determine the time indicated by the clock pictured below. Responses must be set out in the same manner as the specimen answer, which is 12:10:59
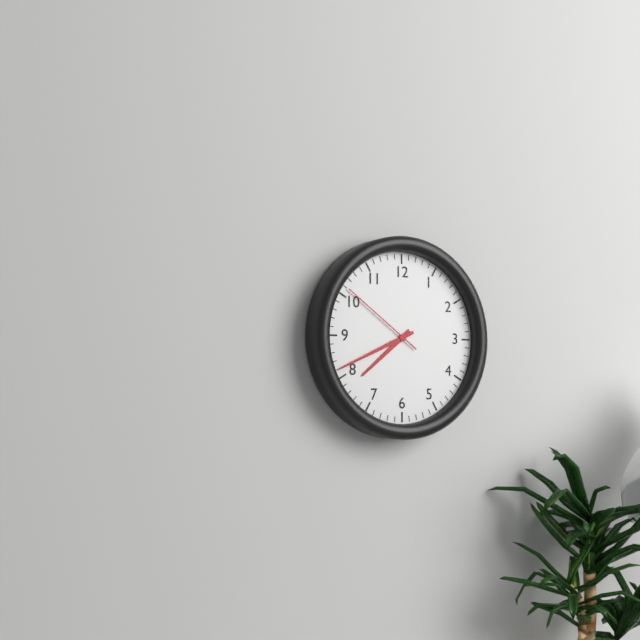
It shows 7:41:51
